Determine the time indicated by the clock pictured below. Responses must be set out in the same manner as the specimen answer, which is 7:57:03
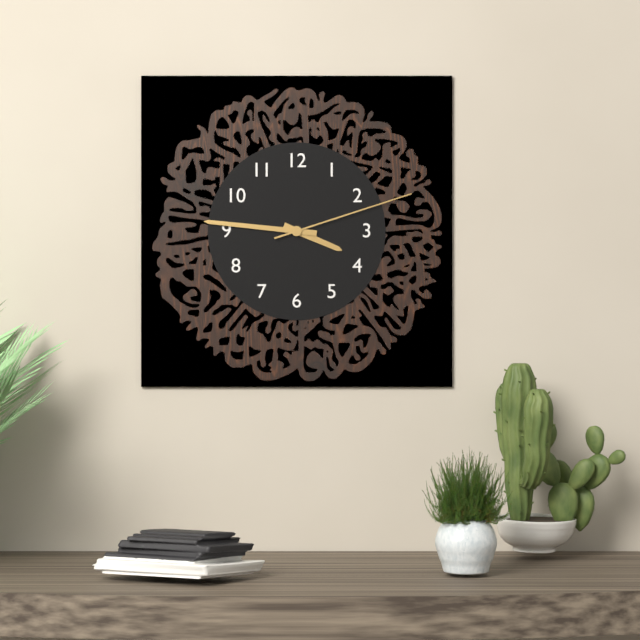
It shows 3:46:12
